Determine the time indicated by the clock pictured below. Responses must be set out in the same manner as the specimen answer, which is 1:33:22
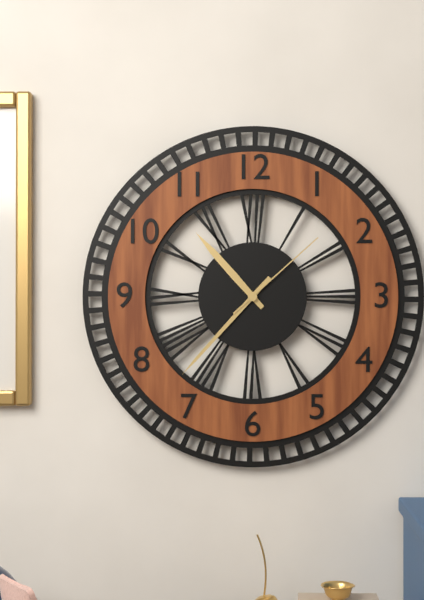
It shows 10:37:08
